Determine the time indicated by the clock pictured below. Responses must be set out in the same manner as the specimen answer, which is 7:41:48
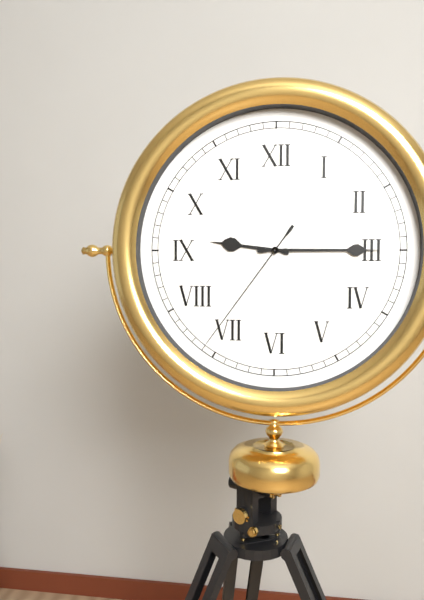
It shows 9:15:36
